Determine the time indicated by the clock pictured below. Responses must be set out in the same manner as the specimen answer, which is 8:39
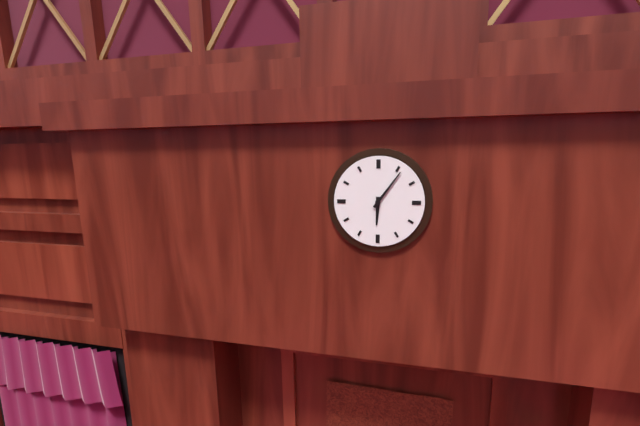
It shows 6:06
